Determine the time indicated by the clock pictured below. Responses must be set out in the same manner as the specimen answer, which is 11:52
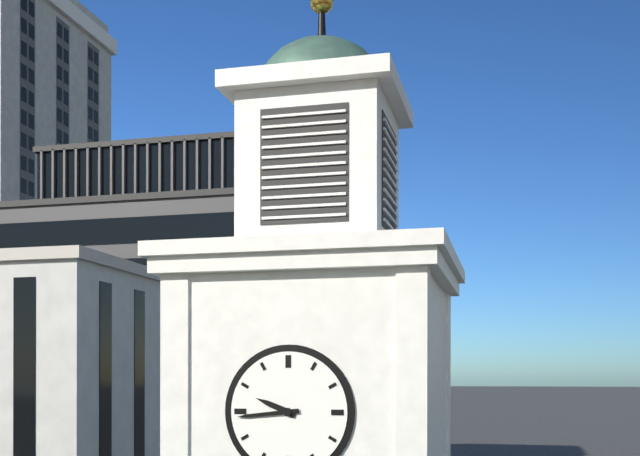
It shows 9:44
